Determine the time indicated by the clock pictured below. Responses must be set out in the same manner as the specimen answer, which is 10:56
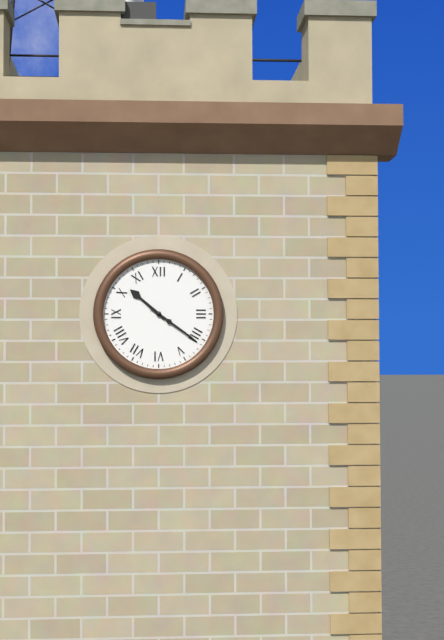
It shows 10:21
